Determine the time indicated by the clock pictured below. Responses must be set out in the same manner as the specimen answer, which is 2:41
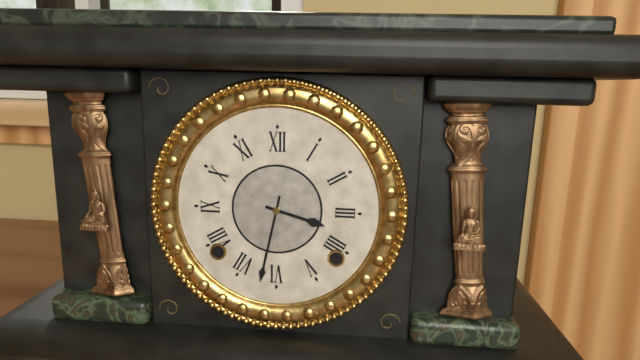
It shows 3:32
